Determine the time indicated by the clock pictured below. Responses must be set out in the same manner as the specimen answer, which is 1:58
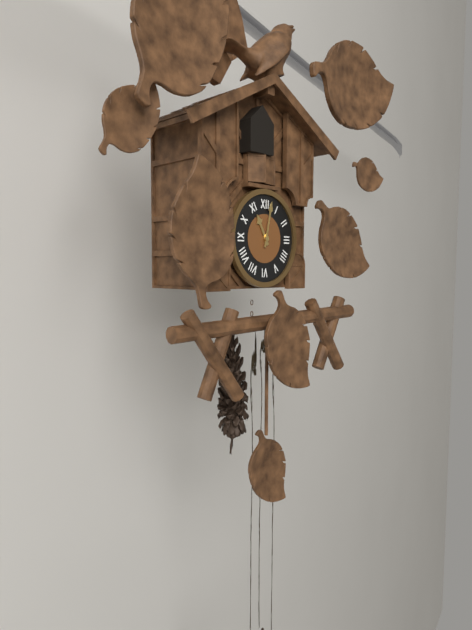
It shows 11:02
